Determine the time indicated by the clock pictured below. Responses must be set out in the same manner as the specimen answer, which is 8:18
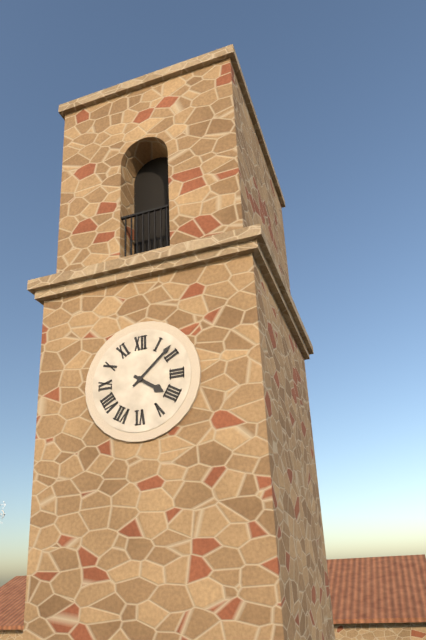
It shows 4:08
